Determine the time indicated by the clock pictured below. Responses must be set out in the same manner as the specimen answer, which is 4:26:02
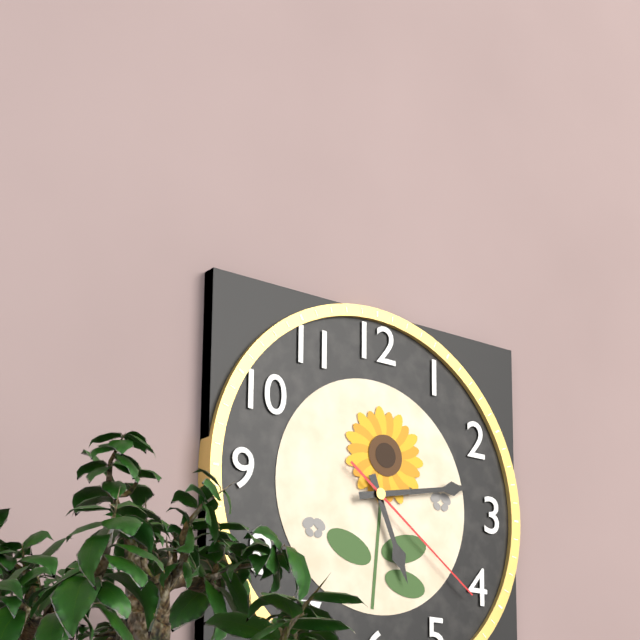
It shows 5:13:21
